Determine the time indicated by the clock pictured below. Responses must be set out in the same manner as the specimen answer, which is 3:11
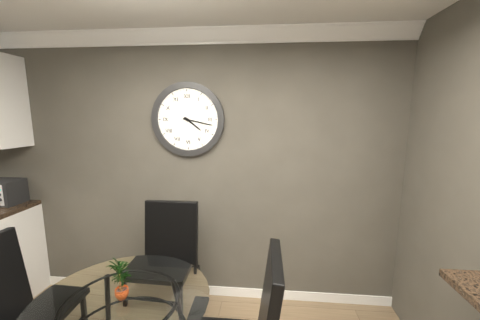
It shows 4:17
